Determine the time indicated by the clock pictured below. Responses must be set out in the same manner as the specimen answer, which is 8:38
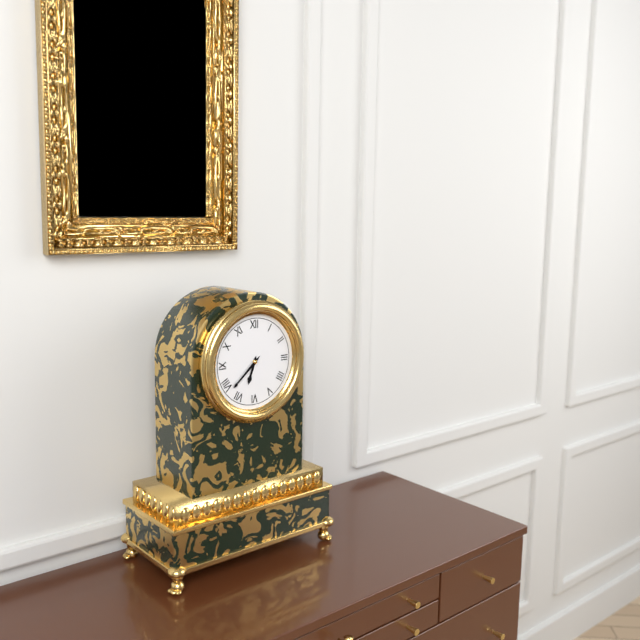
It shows 6:38
